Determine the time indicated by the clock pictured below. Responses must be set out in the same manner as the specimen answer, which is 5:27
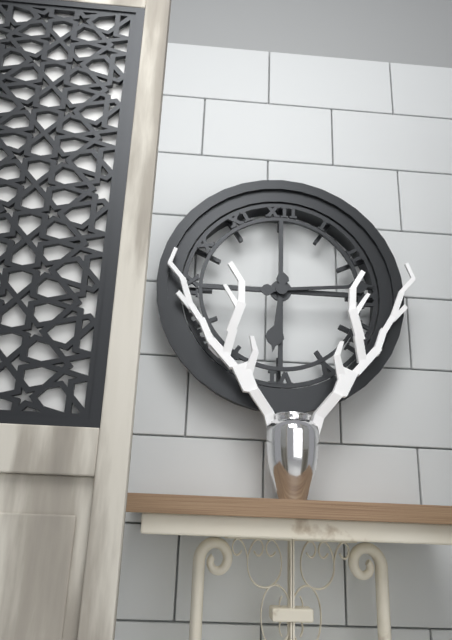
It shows 6:14
